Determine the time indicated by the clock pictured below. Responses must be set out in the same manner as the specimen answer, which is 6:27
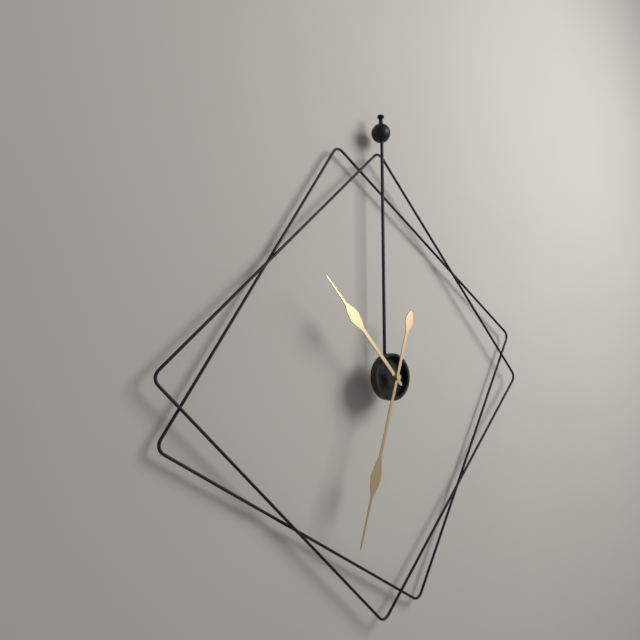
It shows 10:33
